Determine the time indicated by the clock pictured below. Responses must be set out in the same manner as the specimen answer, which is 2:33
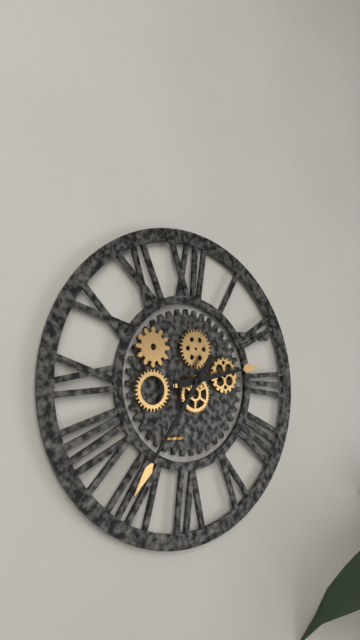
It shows 2:36
